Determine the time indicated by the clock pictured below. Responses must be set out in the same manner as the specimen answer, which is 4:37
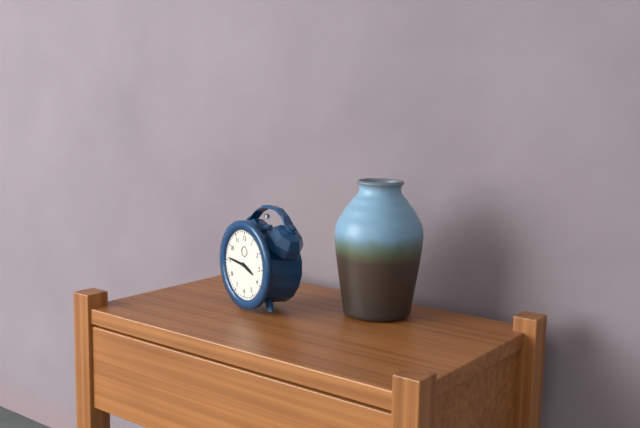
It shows 3:46
